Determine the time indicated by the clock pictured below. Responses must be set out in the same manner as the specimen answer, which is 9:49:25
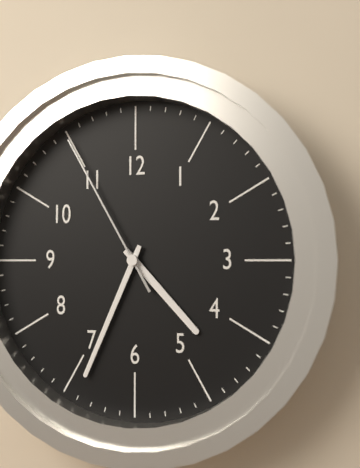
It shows 4:34:55
